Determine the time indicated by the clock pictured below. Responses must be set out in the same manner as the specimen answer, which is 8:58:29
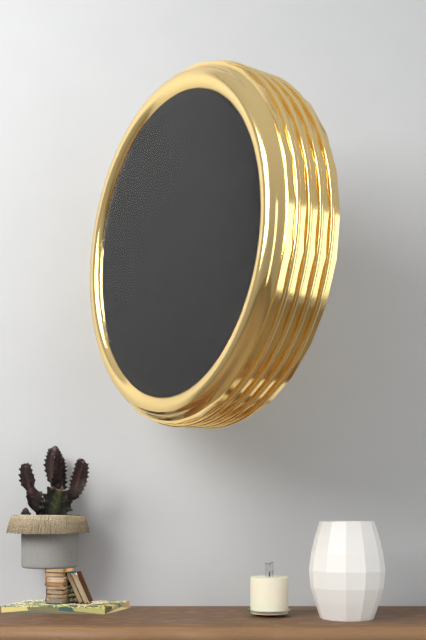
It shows 10:57:23
